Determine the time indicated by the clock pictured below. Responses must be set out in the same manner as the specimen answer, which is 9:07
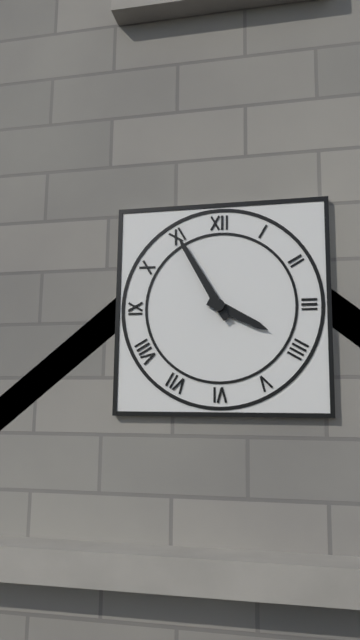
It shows 3:55
